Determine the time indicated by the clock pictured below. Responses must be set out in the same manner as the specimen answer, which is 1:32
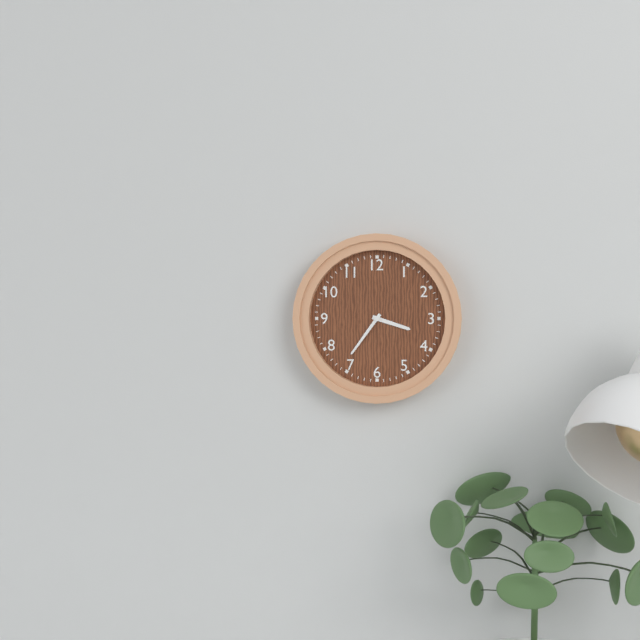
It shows 3:36
